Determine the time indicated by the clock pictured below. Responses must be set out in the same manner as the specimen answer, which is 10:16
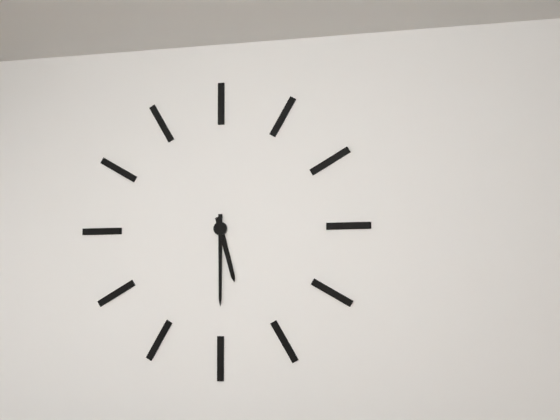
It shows 5:30
